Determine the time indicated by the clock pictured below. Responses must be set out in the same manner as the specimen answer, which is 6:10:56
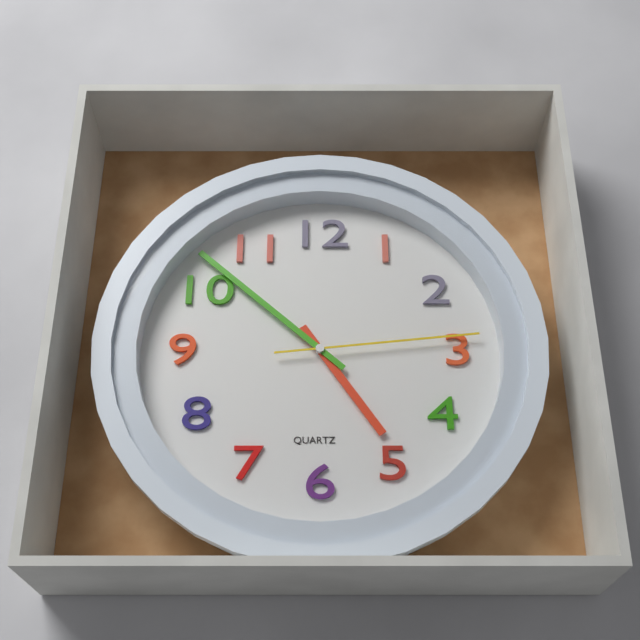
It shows 4:52:14
